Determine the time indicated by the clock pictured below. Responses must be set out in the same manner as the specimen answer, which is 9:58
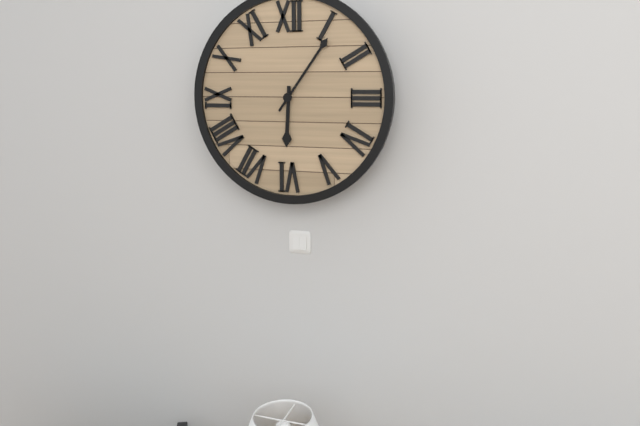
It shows 6:06
